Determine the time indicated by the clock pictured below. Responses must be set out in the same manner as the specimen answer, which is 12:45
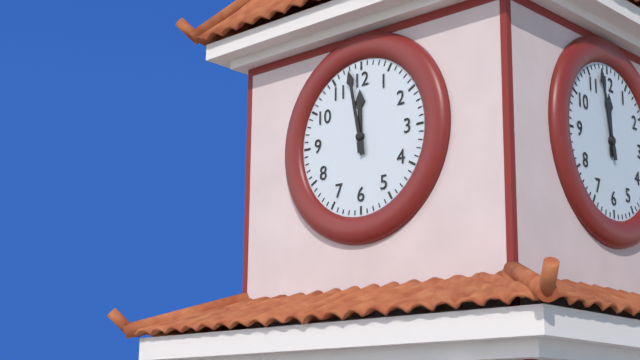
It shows 11:58
